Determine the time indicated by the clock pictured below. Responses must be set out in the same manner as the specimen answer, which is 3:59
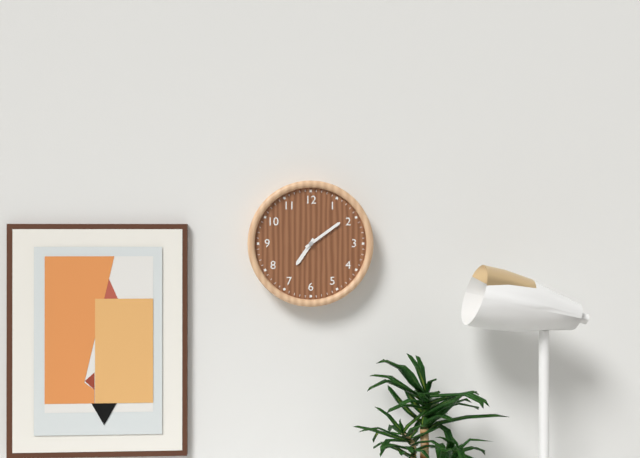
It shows 7:09
